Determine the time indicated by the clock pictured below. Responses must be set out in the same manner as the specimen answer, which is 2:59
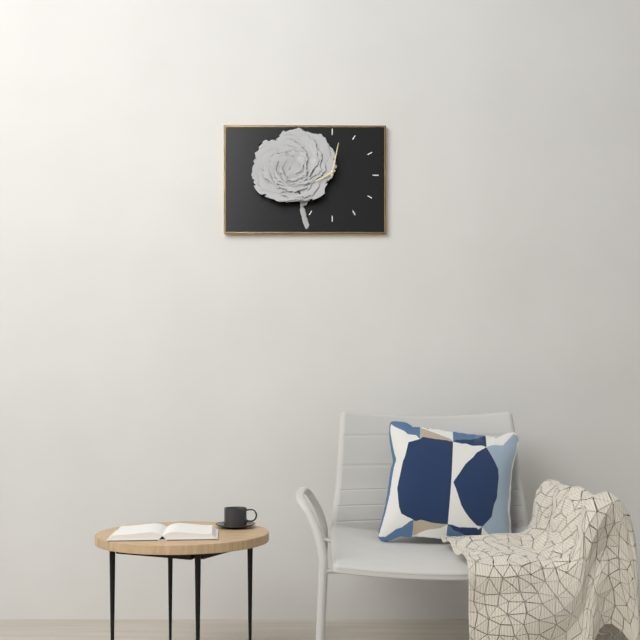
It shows 8:02
